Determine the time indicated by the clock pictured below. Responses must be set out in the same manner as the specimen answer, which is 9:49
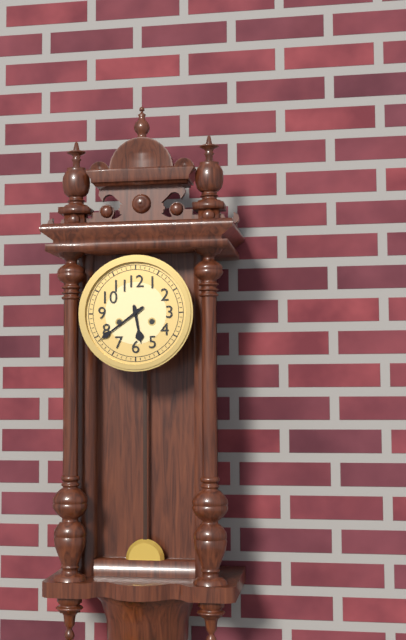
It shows 5:39
